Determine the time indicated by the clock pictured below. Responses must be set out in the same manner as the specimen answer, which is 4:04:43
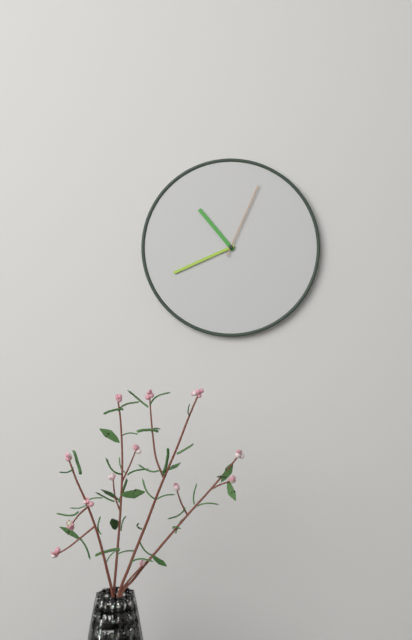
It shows 10:41:04
